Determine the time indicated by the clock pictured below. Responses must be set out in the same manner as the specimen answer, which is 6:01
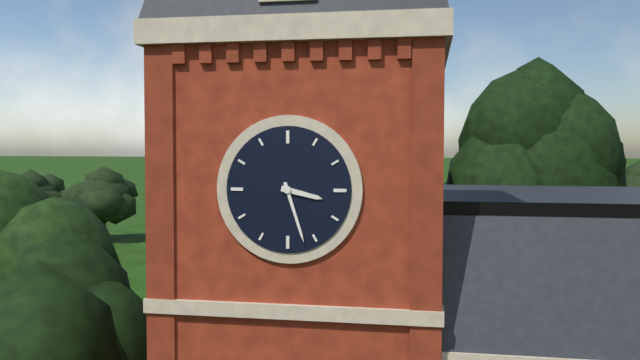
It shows 3:27
